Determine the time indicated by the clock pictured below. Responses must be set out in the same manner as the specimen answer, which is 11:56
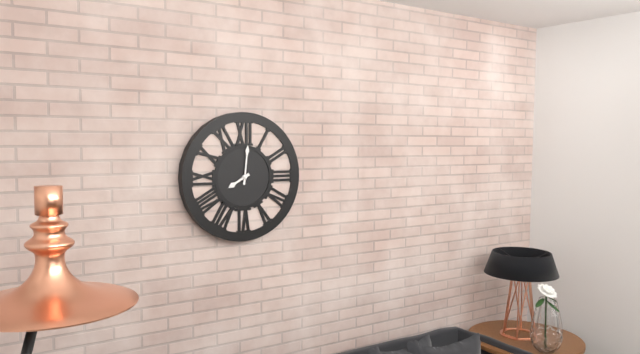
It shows 8:01
